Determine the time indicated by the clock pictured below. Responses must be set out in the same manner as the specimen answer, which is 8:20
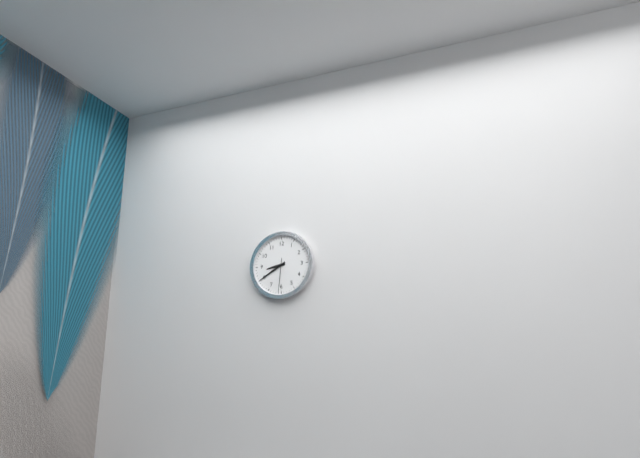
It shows 8:40
